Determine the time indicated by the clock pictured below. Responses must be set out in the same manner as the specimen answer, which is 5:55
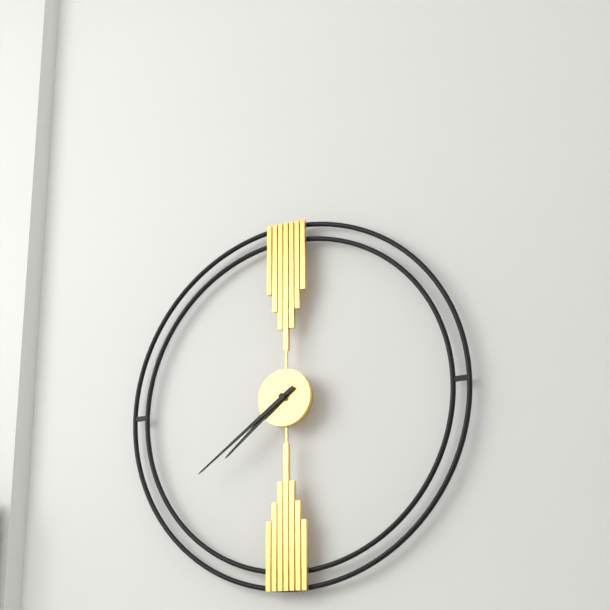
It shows 7:39
